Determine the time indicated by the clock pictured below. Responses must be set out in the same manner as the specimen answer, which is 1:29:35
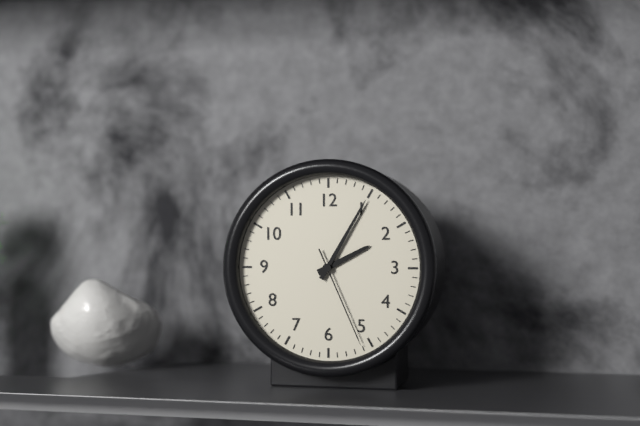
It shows 2:05:26
